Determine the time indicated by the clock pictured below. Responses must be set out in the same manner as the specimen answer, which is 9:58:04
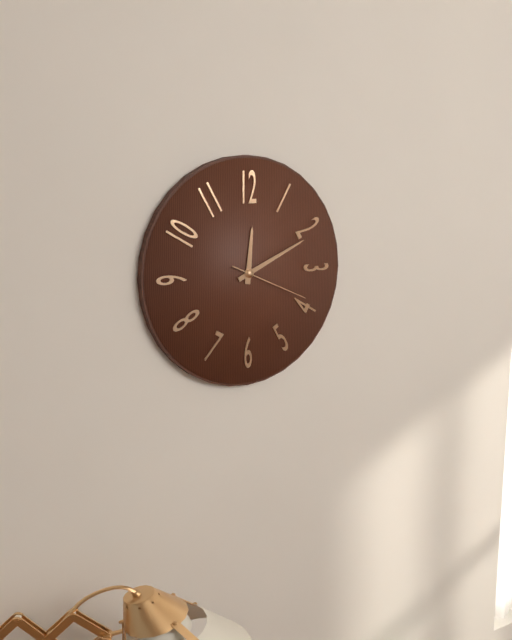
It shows 12:11:19
